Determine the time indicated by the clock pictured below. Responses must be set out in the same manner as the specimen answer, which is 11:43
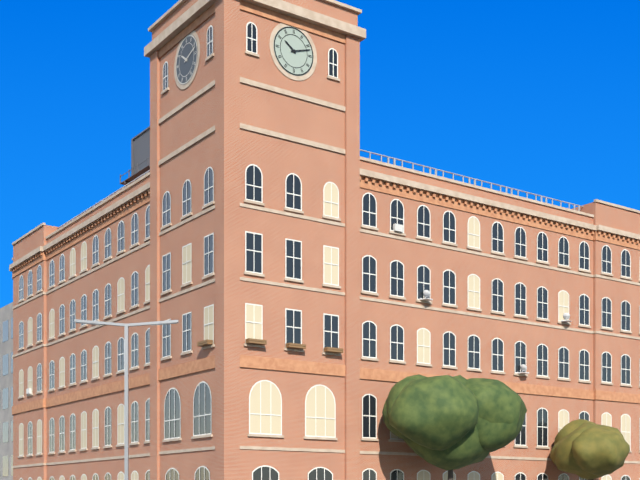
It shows 10:12
